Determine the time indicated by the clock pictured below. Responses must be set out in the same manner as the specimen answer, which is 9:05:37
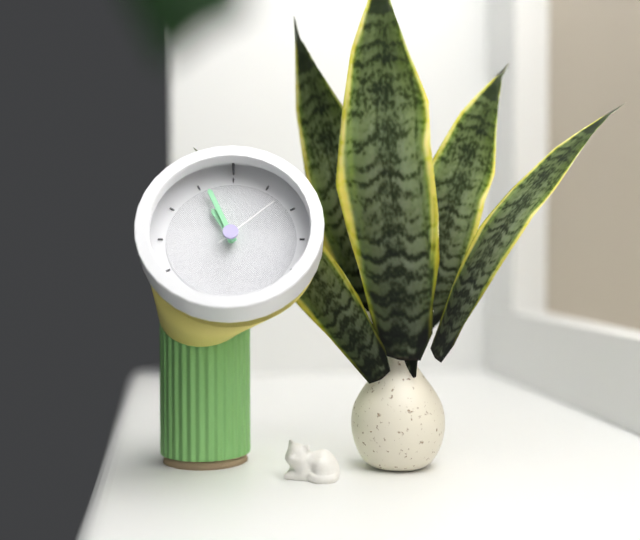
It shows 10:56:08
